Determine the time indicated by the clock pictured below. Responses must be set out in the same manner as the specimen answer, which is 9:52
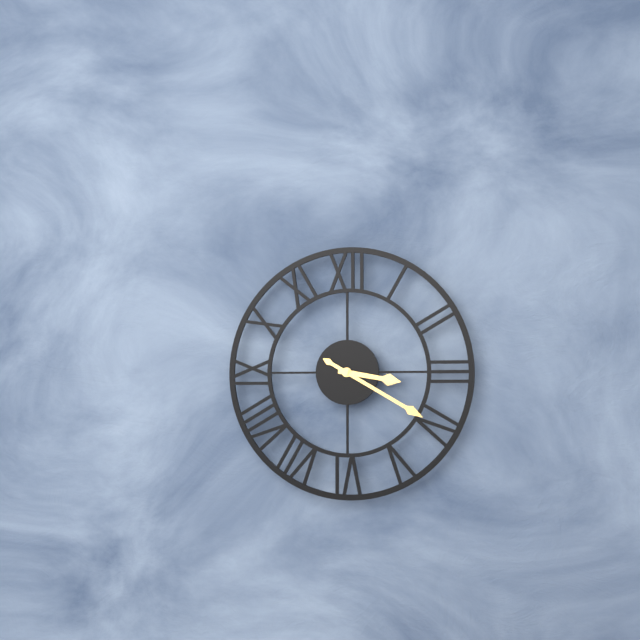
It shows 3:20
